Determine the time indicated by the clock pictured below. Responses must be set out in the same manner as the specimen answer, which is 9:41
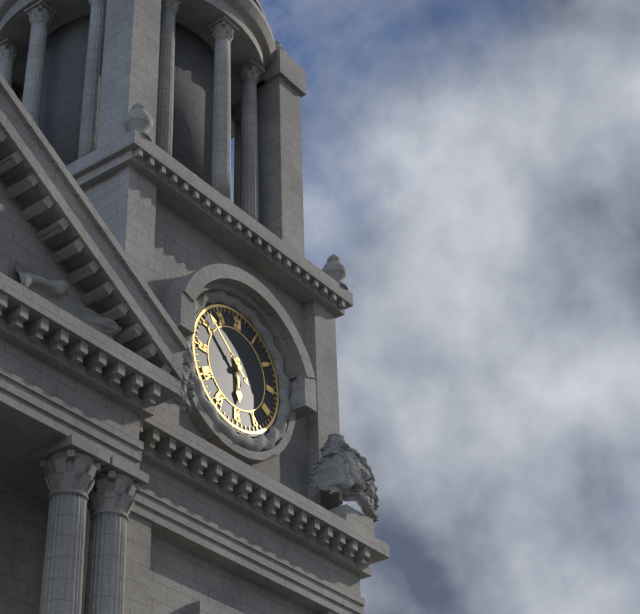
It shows 5:52
